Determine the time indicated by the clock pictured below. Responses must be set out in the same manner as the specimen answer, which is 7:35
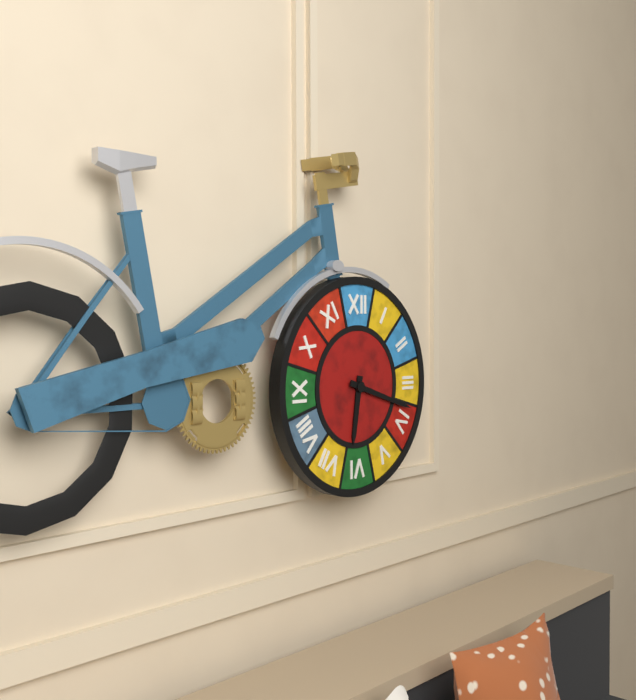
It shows 6:18
